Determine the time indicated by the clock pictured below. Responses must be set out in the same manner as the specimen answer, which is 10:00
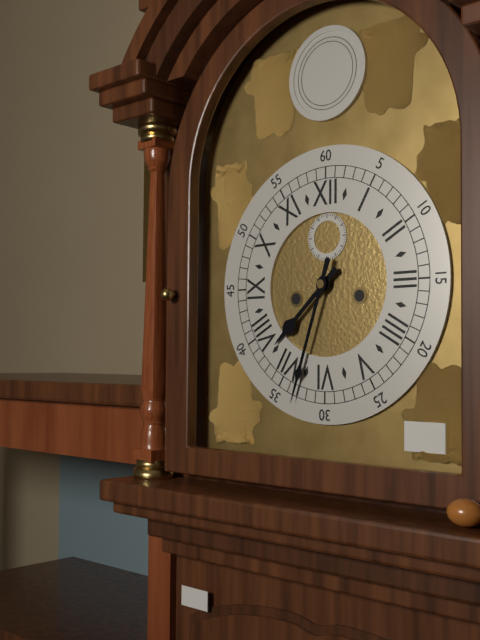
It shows 7:33
